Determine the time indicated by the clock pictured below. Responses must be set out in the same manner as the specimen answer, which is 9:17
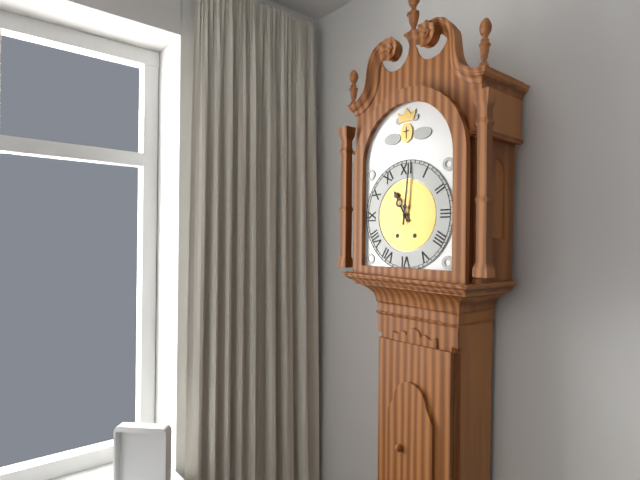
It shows 11:01
